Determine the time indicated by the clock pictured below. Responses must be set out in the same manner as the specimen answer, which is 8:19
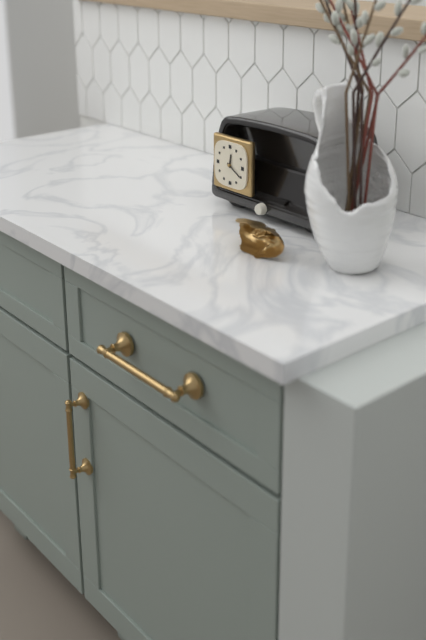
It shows 12:20
